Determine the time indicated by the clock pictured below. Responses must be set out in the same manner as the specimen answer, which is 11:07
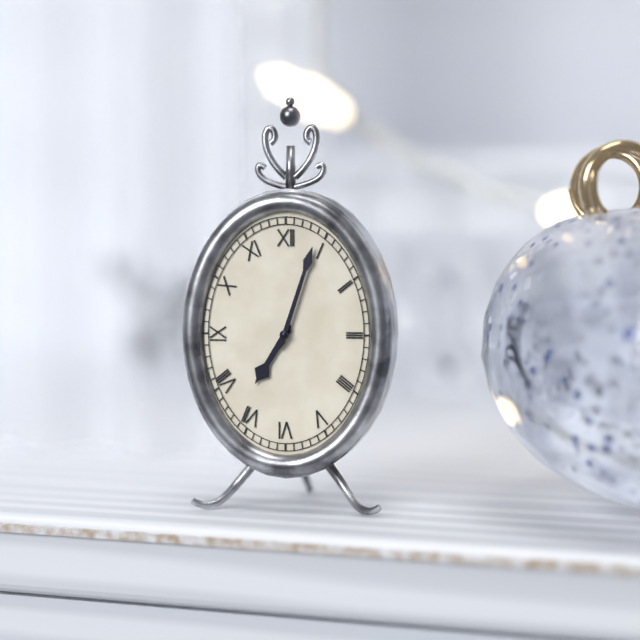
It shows 7:03
